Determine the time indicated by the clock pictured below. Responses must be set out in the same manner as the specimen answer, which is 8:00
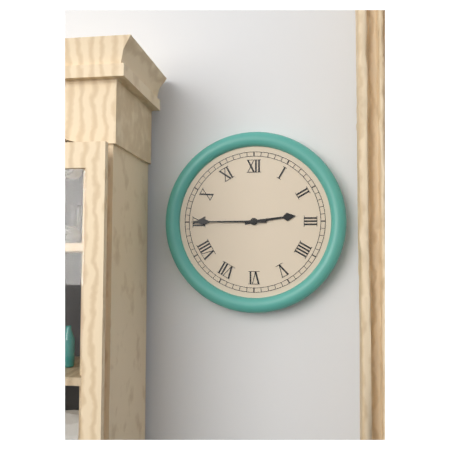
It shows 2:45
